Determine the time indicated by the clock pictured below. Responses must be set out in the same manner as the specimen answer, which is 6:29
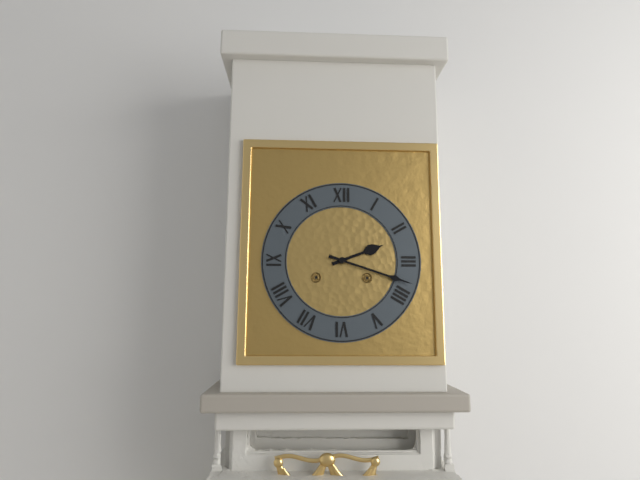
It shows 2:18
